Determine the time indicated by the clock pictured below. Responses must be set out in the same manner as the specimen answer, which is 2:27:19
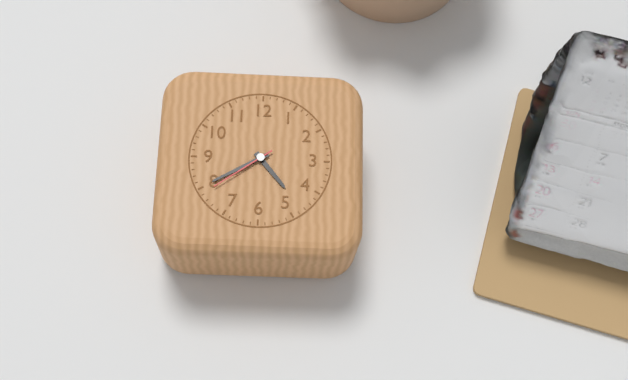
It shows 4:40:39
